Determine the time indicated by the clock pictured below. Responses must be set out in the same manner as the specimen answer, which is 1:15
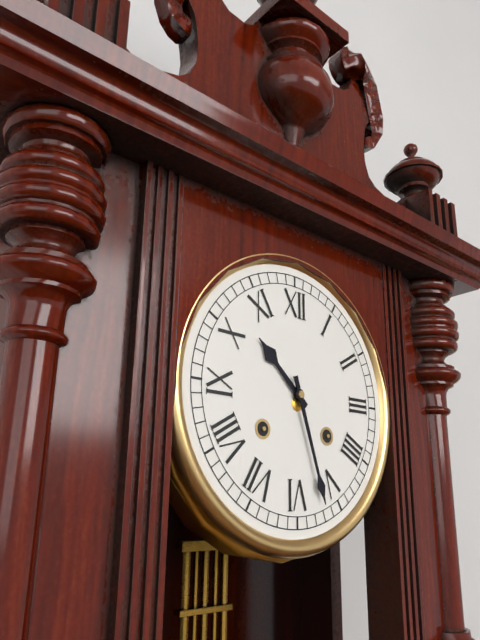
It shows 10:27
